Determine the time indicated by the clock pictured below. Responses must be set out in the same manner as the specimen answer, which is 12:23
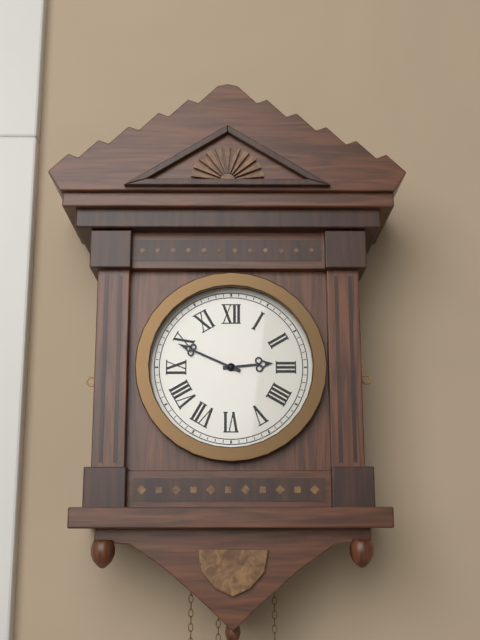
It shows 2:49
